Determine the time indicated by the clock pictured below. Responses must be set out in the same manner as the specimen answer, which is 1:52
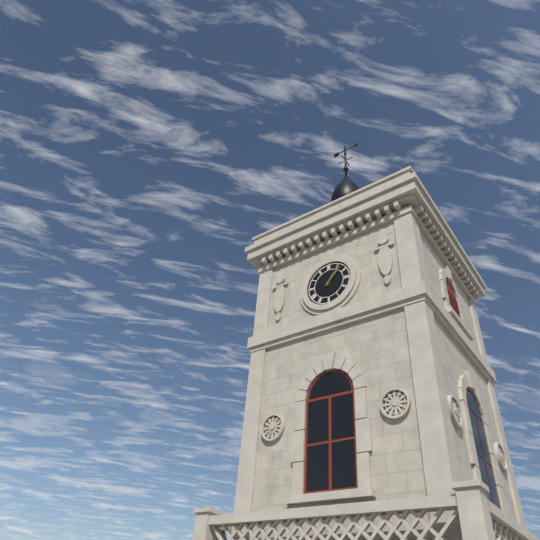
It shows 1:07
